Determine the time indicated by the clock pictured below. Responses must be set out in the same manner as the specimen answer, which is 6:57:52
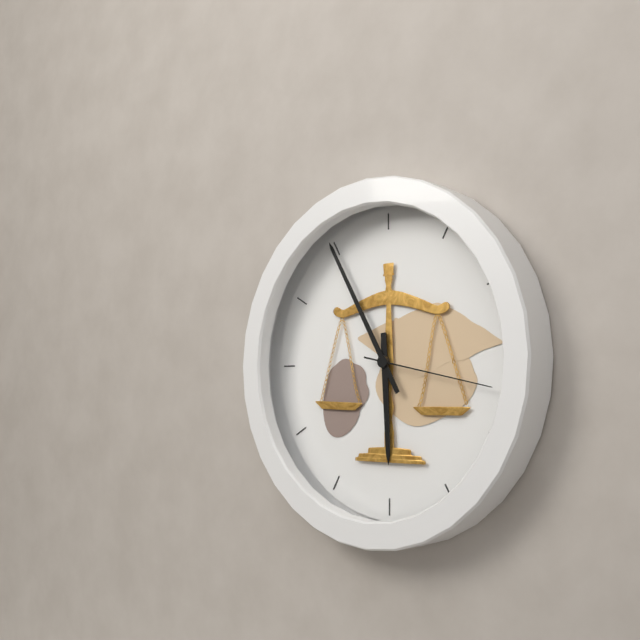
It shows 5:55:17
